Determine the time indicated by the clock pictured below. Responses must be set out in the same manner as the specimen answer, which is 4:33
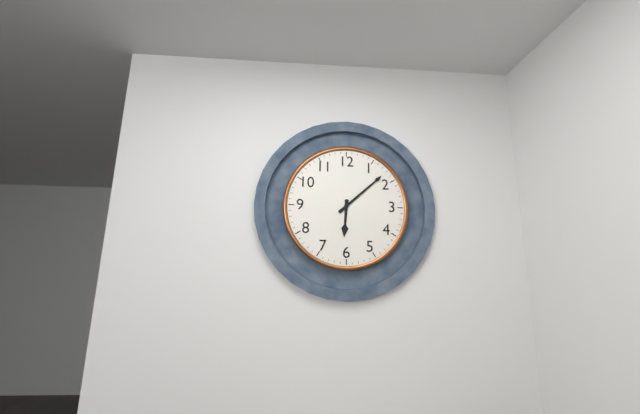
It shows 6:08
